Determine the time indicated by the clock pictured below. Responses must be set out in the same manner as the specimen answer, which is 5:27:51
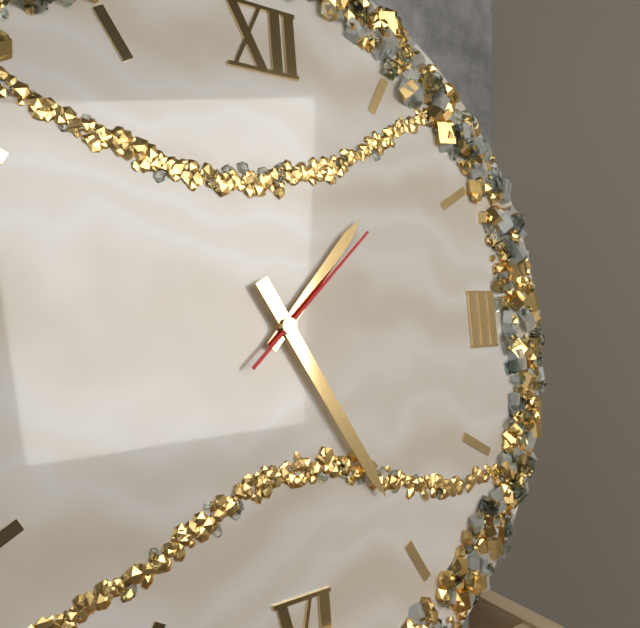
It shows 1:25:08
